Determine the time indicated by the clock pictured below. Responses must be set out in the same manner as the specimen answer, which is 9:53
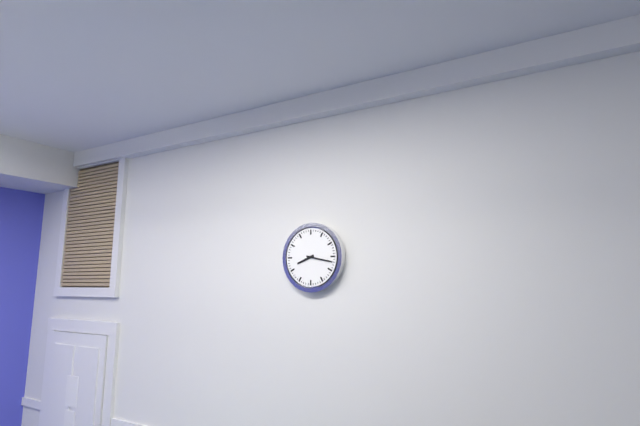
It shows 8:17
